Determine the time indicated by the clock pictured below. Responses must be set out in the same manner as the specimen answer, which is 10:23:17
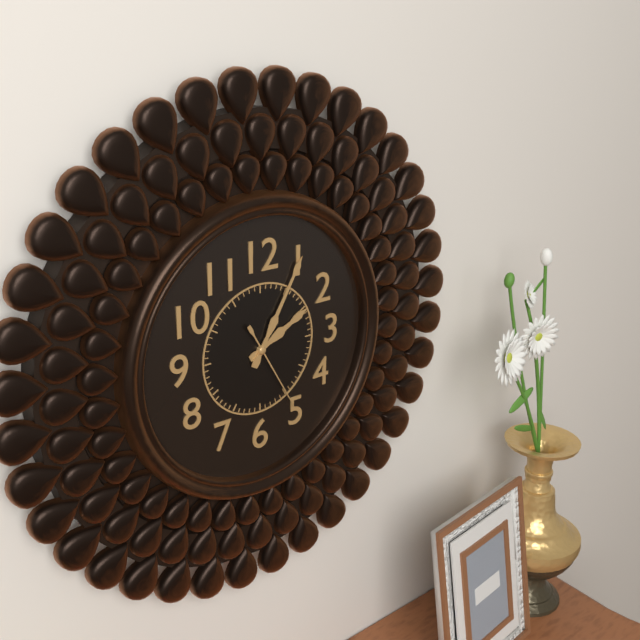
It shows 2:05:25
